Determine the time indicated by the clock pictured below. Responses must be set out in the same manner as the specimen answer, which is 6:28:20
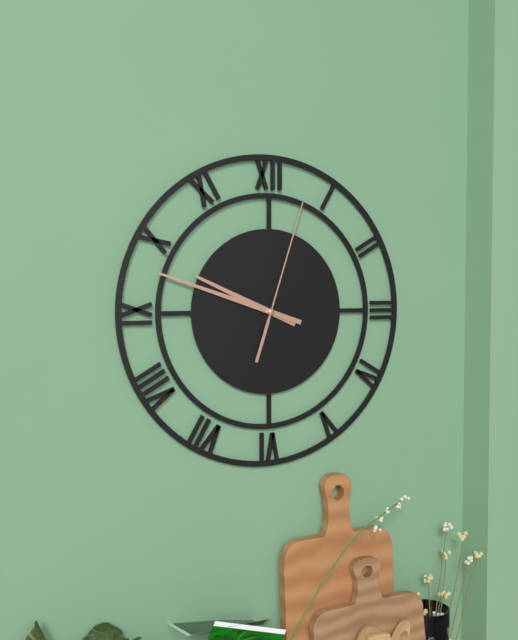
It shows 9:48:03
